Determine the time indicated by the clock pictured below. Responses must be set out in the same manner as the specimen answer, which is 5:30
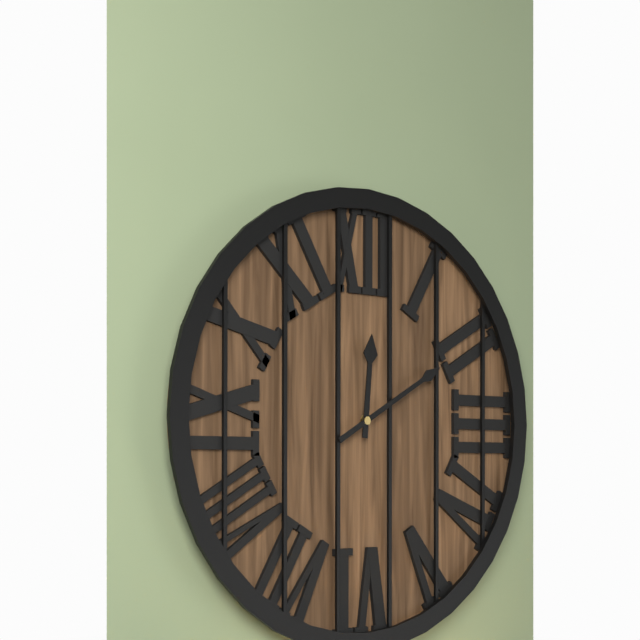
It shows 12:10
